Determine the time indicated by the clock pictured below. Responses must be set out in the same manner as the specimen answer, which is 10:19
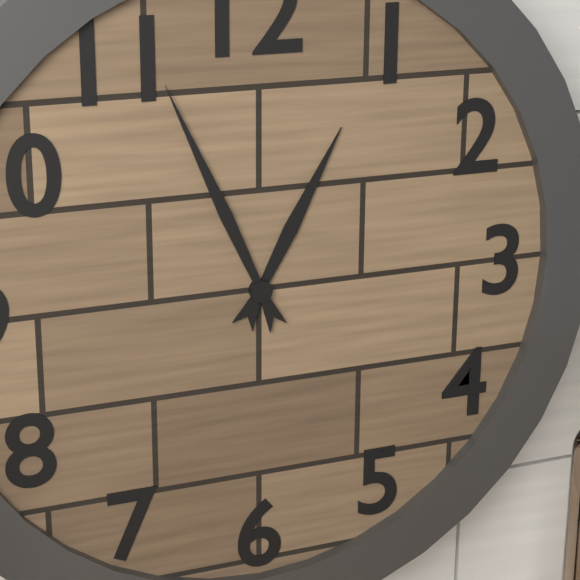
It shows 12:56
